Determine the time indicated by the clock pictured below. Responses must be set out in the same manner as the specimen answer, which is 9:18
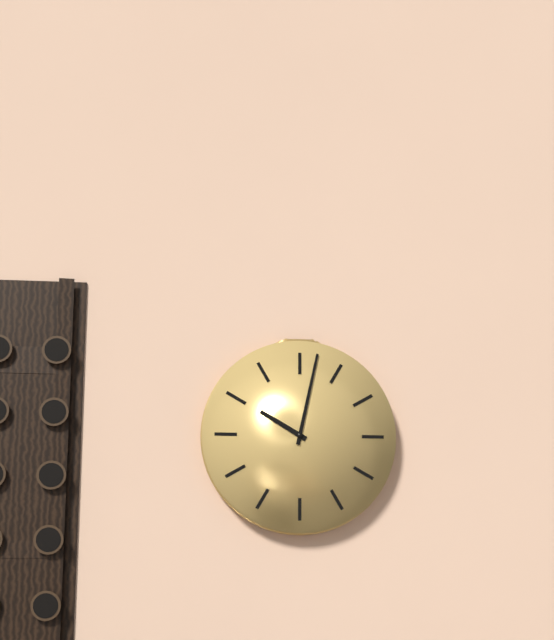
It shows 10:02
